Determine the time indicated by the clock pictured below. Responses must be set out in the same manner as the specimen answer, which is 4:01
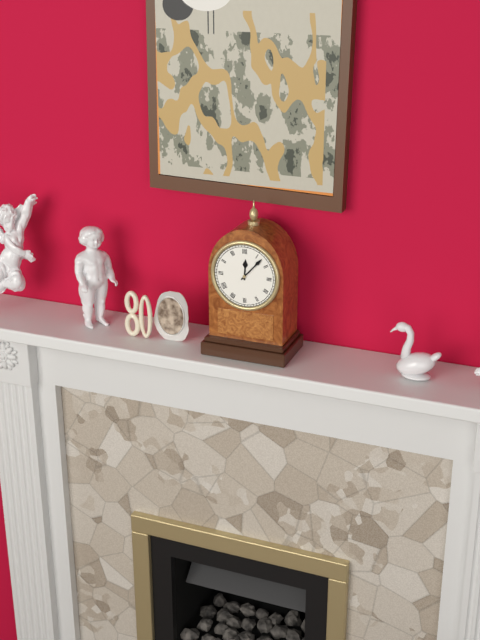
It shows 12:07
